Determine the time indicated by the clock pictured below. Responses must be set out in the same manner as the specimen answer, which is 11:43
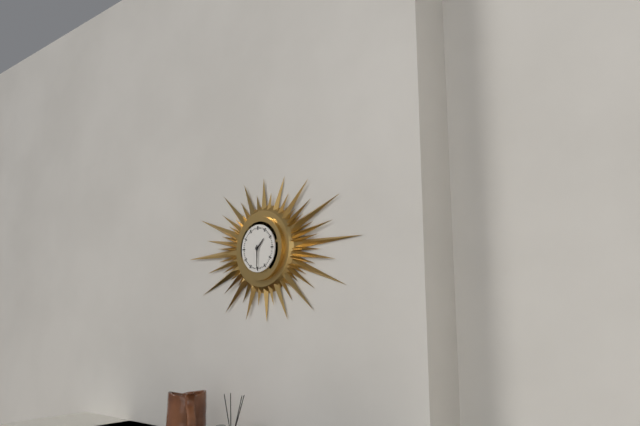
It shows 1:30
